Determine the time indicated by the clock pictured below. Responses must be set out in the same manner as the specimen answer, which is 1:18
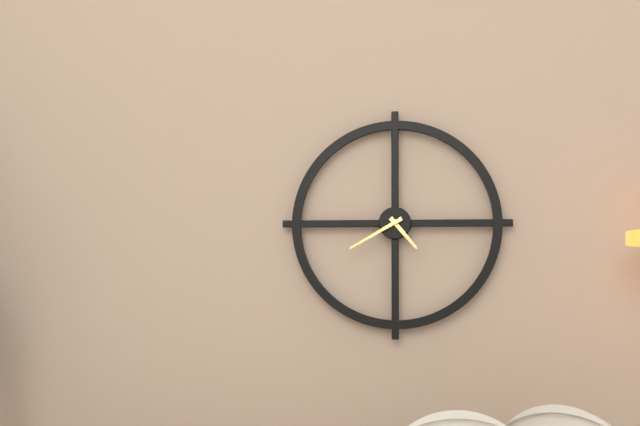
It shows 4:40
